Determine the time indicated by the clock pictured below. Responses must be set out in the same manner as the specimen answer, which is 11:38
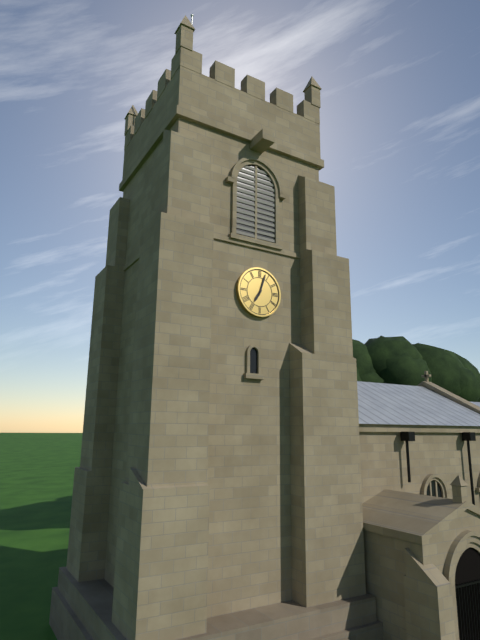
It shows 7:03
